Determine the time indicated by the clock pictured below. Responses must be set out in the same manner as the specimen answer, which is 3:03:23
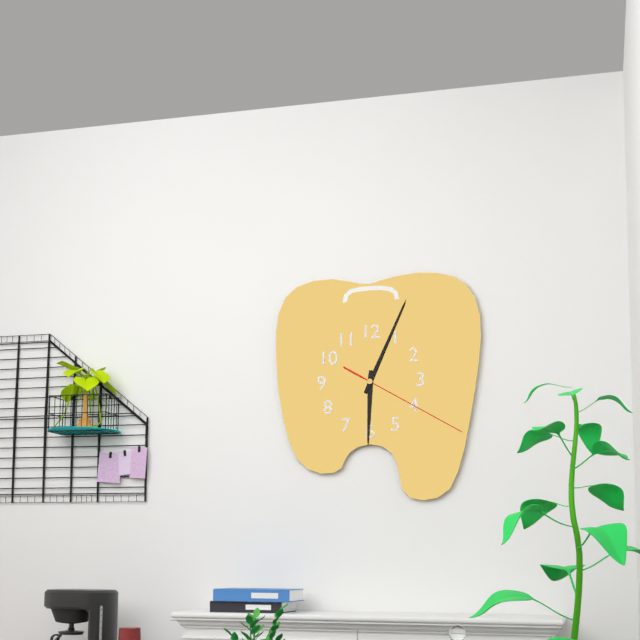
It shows 6:04:20
